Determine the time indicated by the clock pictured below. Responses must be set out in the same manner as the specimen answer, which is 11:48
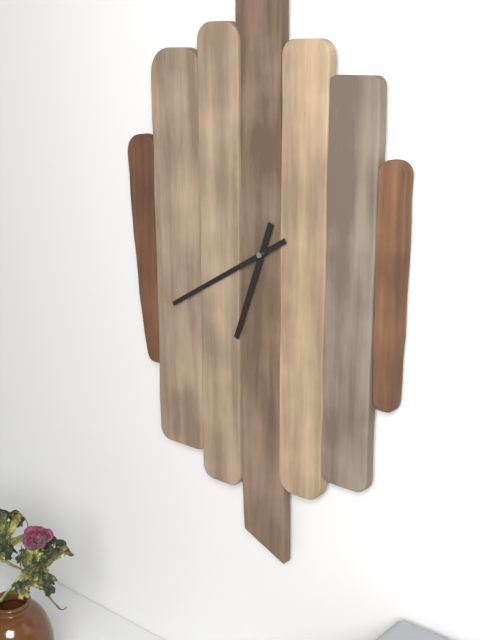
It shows 6:40
